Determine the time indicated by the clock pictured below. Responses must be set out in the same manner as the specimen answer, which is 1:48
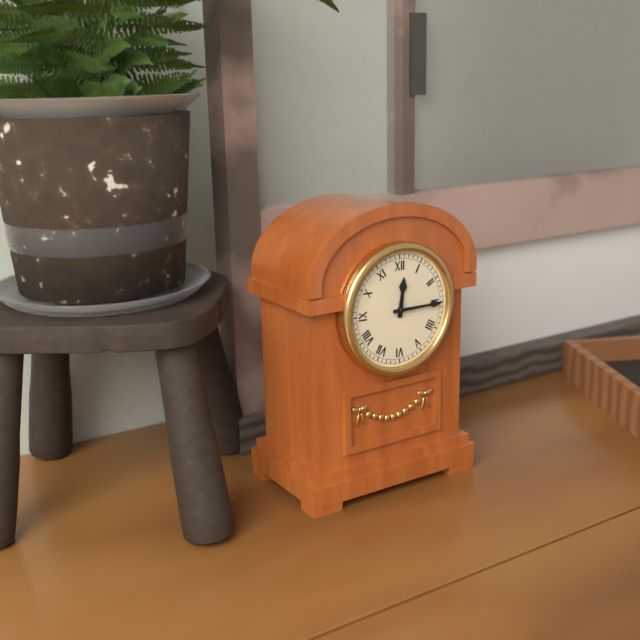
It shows 12:15
